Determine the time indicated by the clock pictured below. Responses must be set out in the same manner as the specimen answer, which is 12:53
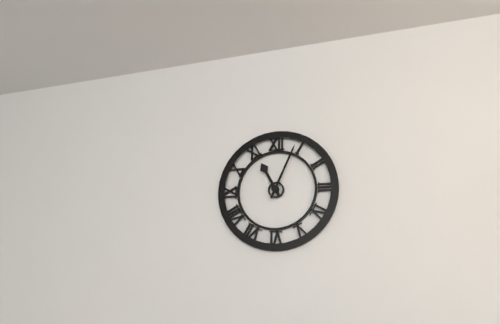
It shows 11:04
